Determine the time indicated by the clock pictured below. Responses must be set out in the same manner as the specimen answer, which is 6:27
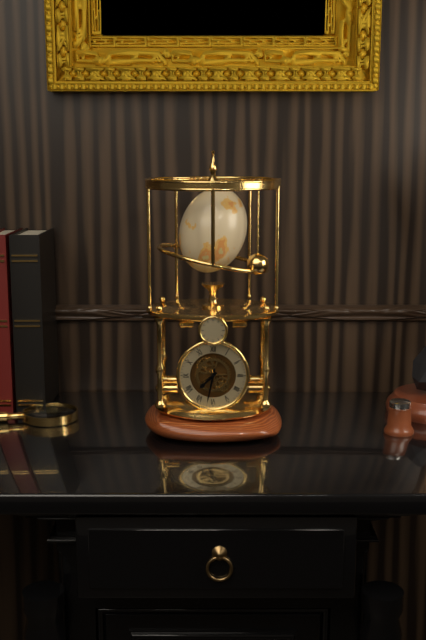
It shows 7:32
